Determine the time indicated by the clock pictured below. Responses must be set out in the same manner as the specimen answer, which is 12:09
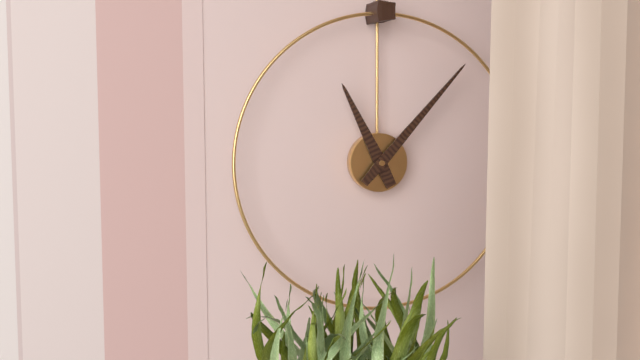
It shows 11:07
